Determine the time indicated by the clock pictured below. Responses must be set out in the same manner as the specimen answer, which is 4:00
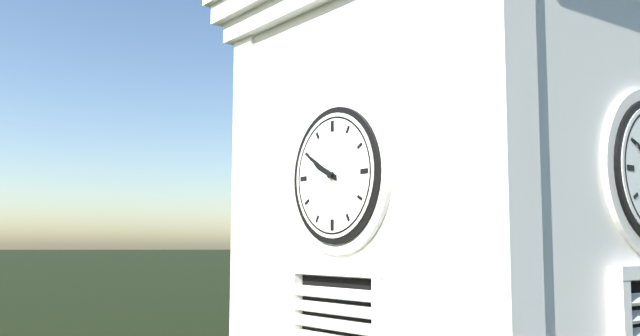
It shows 9:50
